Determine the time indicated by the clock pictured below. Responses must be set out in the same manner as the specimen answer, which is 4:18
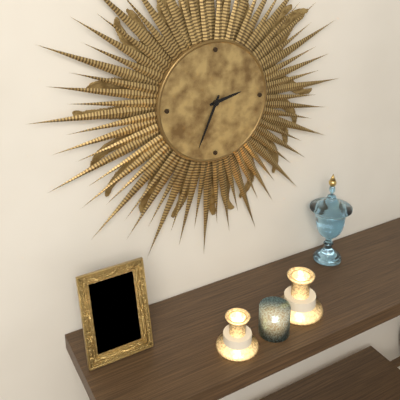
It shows 2:34
